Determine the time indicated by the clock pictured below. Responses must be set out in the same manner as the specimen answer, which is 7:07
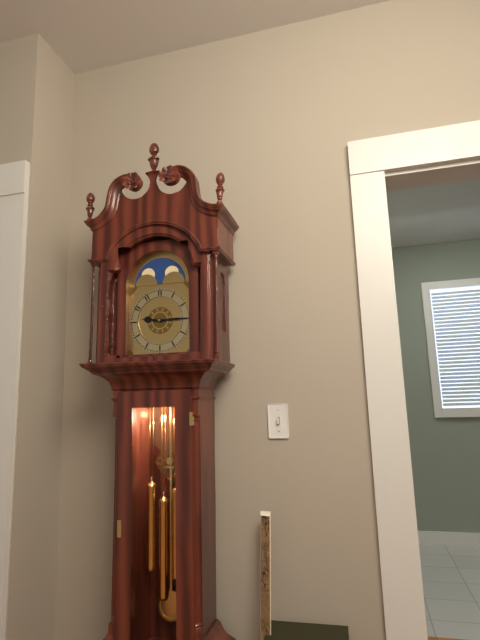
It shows 9:15
